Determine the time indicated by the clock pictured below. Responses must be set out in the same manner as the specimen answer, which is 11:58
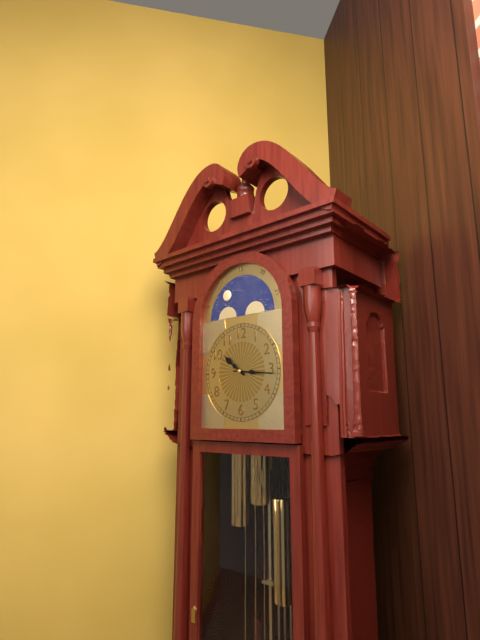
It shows 10:16
